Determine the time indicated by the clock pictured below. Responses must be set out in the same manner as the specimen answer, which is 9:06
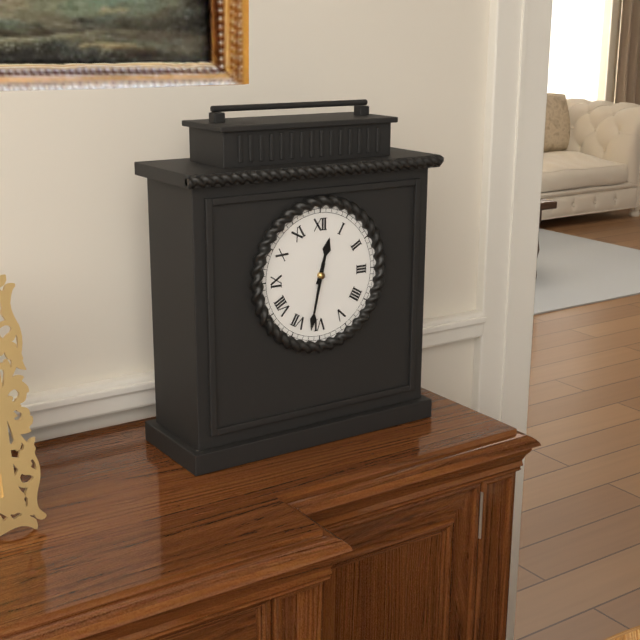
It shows 12:32
